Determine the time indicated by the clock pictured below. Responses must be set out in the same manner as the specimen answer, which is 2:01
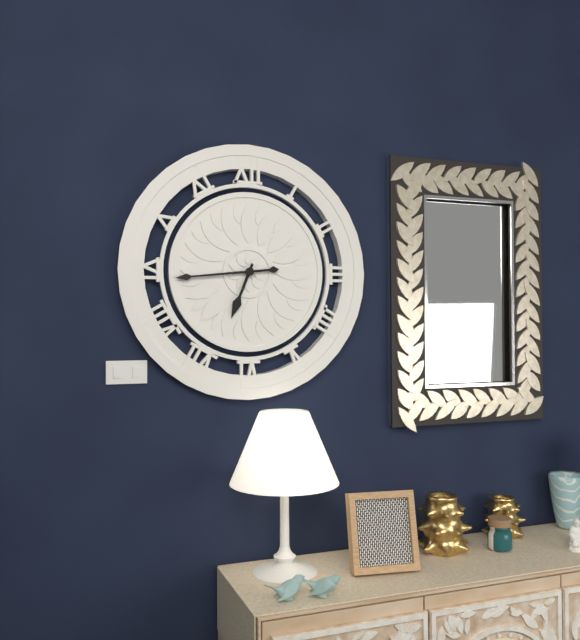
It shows 6:44
